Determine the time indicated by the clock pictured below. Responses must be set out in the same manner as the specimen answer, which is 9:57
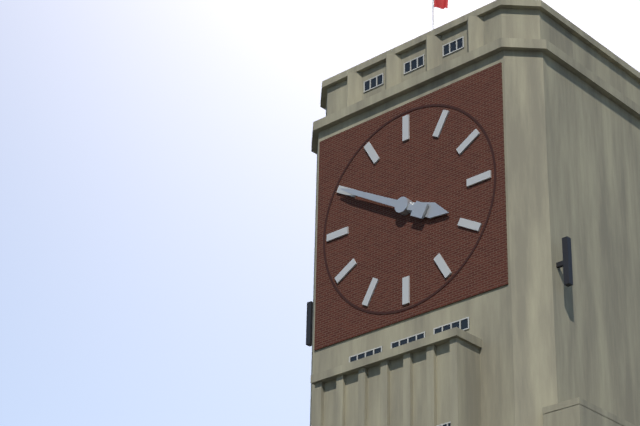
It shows 3:50
